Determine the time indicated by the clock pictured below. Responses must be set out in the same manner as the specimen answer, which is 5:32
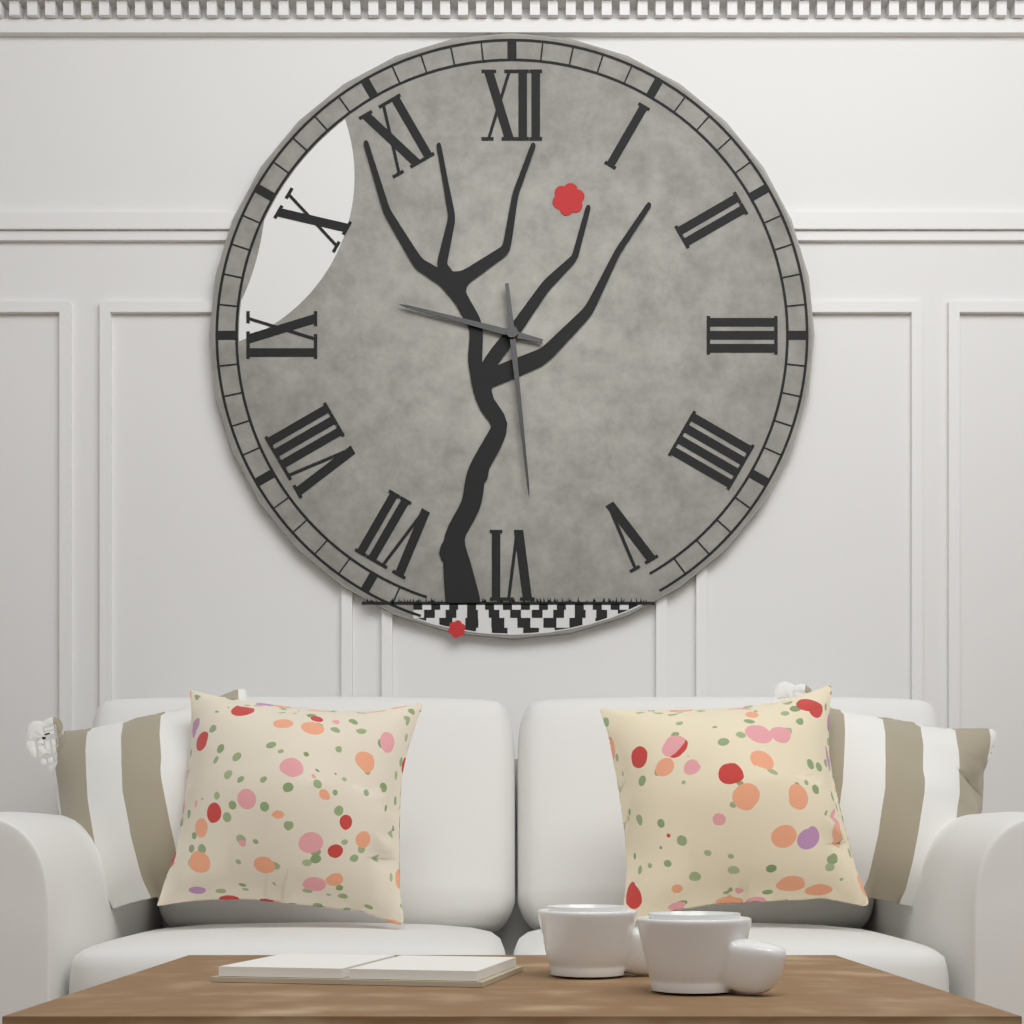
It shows 9:29
